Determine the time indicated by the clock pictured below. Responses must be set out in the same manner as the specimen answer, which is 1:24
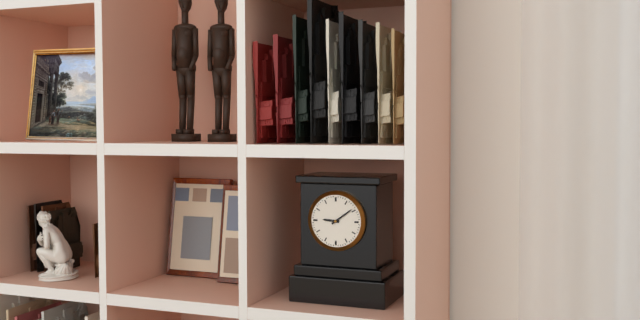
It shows 9:09
